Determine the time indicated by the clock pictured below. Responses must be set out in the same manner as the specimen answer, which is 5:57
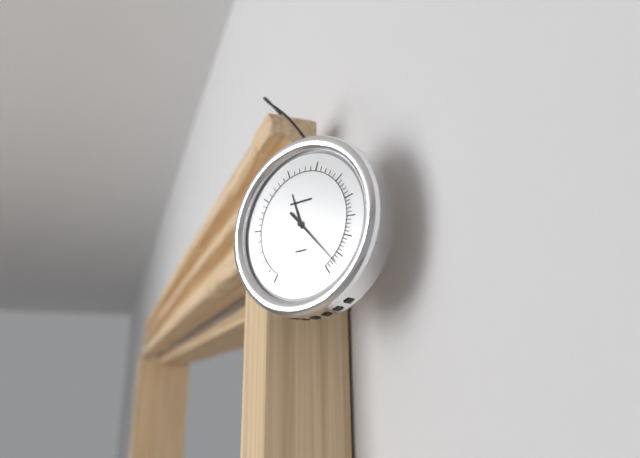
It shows 11:23
